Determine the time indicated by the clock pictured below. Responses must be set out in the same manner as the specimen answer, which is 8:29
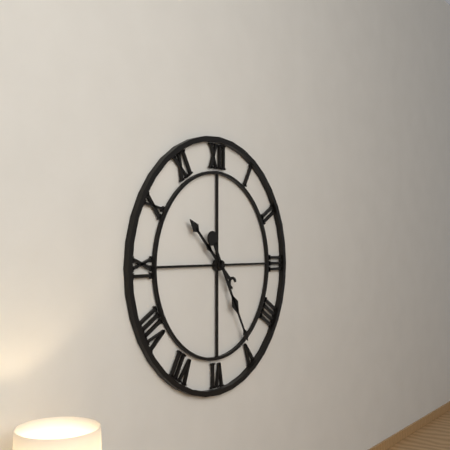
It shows 10:25
